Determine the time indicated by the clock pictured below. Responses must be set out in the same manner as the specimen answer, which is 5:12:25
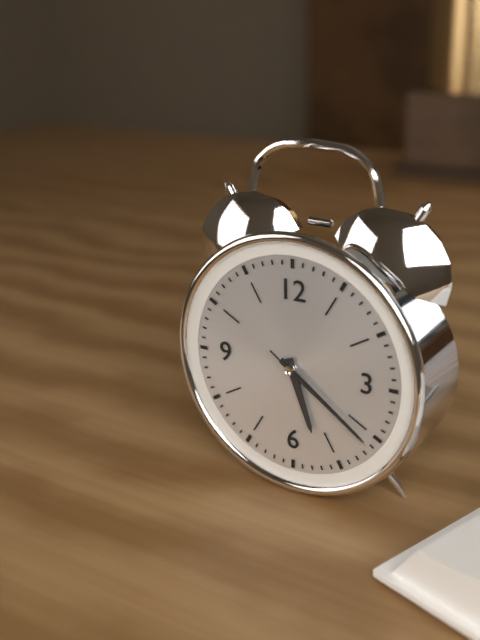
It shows 5:21:21
